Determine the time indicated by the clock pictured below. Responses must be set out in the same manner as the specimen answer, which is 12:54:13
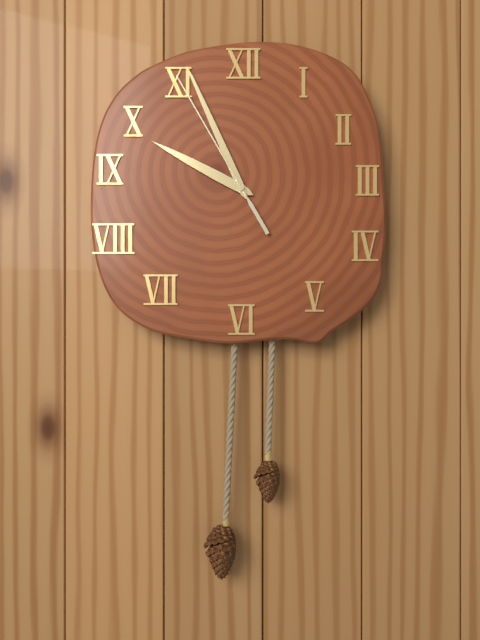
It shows 9:56:55
